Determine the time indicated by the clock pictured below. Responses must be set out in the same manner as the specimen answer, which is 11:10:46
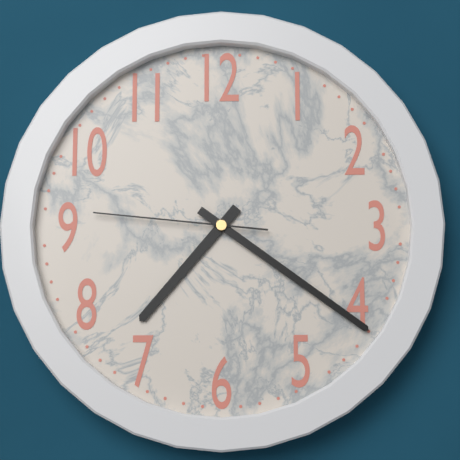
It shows 7:21:46
